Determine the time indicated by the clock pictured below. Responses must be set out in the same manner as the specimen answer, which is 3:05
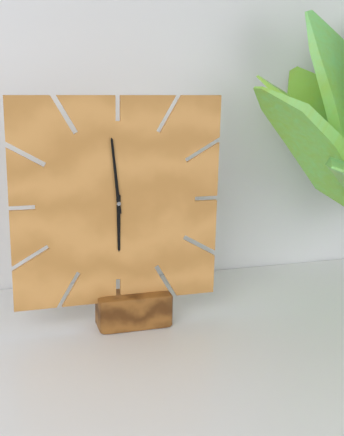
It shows 5:59
